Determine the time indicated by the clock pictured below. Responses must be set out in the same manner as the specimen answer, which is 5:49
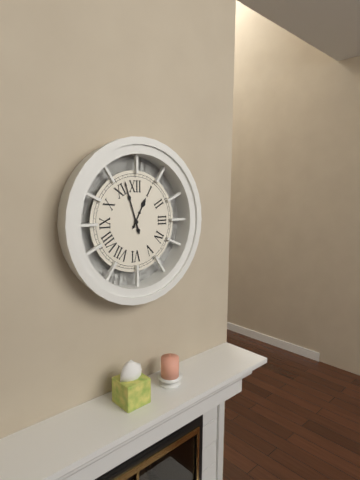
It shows 12:57
